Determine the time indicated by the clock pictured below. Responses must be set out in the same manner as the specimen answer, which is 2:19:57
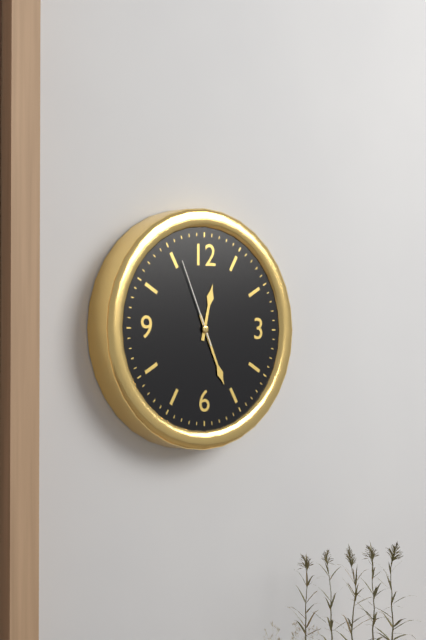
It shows 12:26:56
